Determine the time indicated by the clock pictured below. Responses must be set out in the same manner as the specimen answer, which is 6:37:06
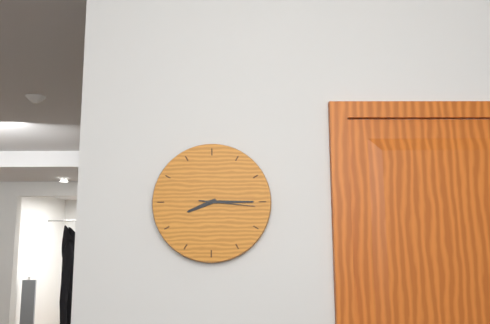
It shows 8:15:16
